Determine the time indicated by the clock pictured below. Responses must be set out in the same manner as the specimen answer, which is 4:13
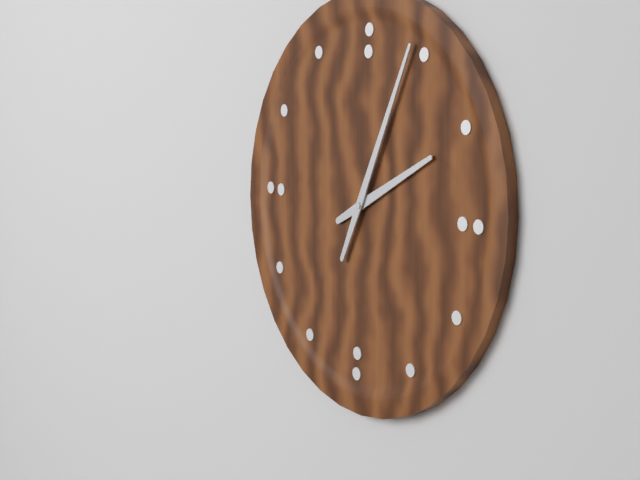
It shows 2:04
